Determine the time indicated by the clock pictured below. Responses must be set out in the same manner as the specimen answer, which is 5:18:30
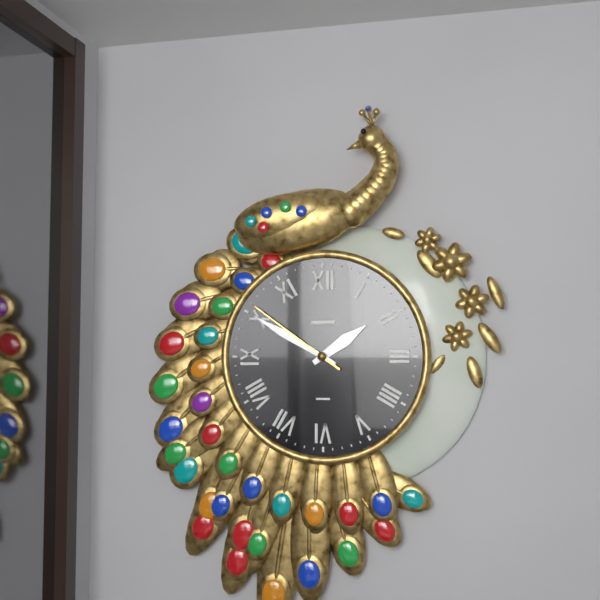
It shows 1:50:51
